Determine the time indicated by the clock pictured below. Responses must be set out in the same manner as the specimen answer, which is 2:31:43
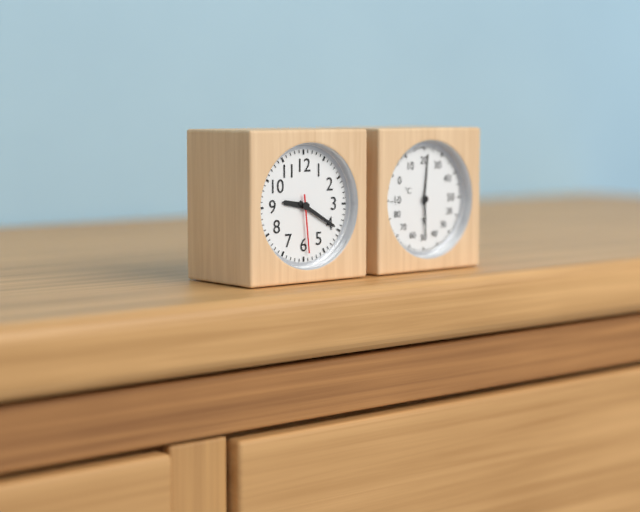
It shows 9:20:29
